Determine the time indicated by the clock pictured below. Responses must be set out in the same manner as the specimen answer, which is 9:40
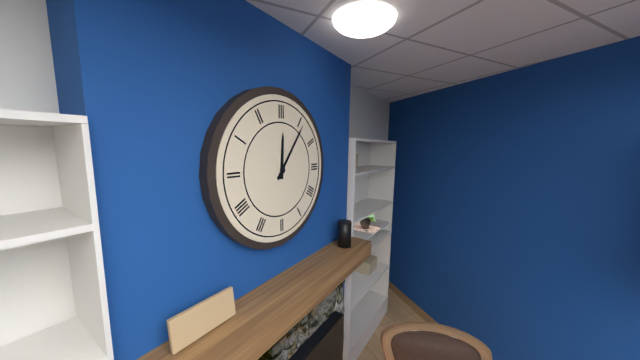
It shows 12:06
